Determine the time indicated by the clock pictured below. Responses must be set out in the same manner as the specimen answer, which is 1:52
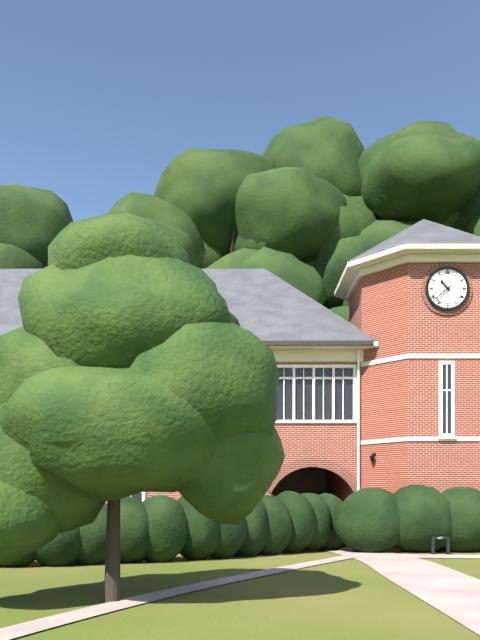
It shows 10:38
